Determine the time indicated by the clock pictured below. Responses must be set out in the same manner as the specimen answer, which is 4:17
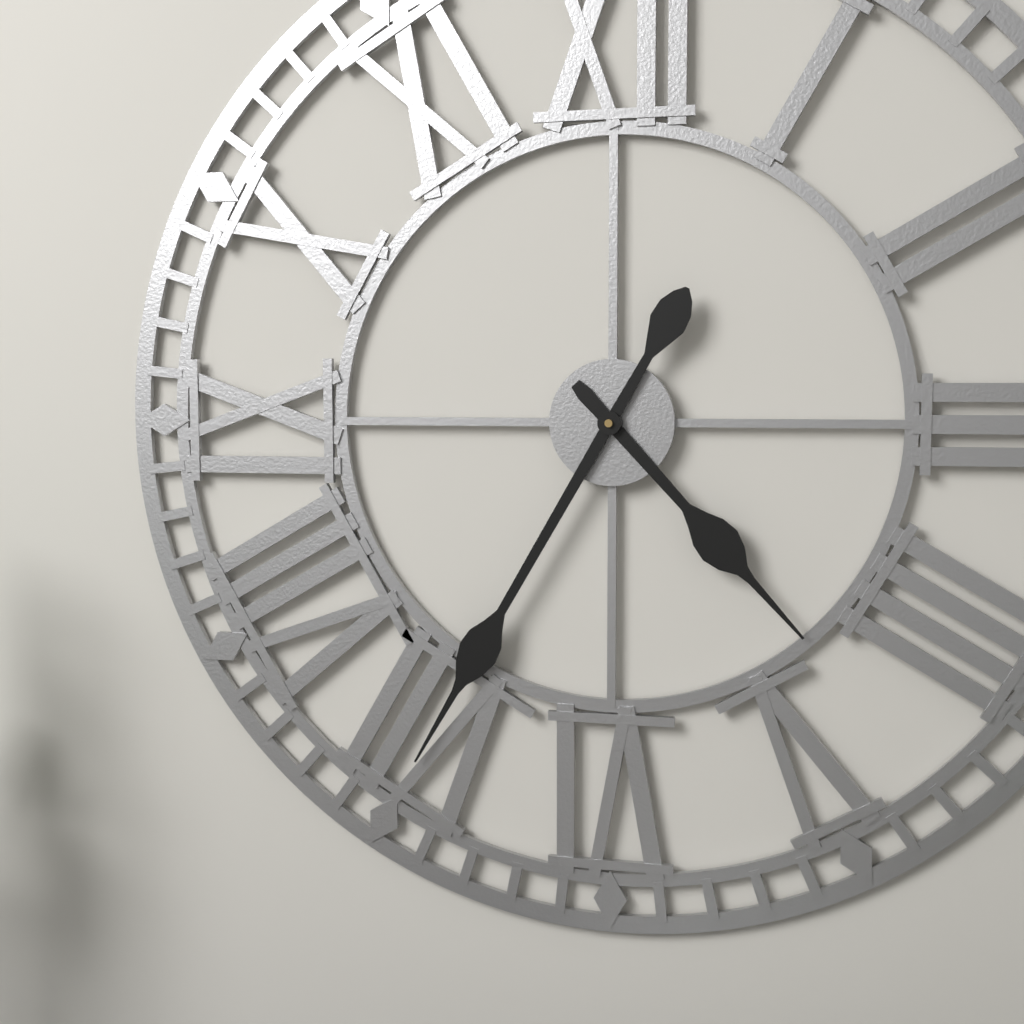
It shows 4:35
